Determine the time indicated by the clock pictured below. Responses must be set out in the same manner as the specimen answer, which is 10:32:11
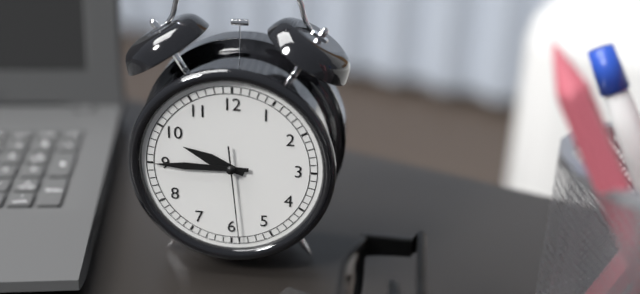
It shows 9:45:29
